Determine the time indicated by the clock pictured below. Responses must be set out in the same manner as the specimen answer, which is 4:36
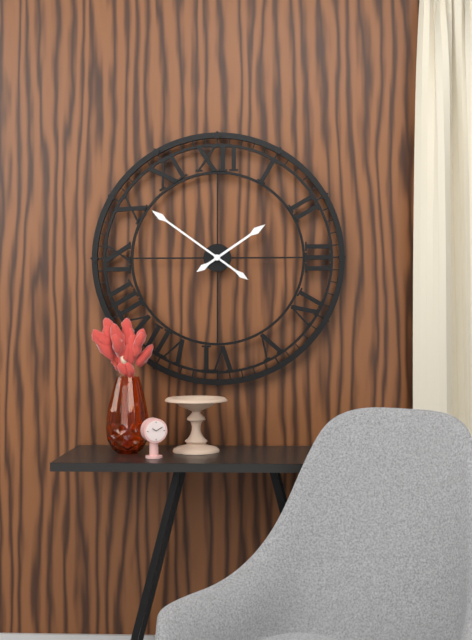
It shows 1:51
